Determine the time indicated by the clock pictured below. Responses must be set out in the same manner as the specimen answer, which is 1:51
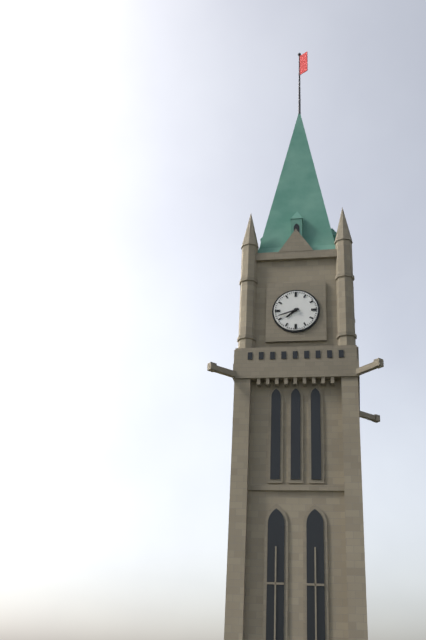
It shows 7:42
